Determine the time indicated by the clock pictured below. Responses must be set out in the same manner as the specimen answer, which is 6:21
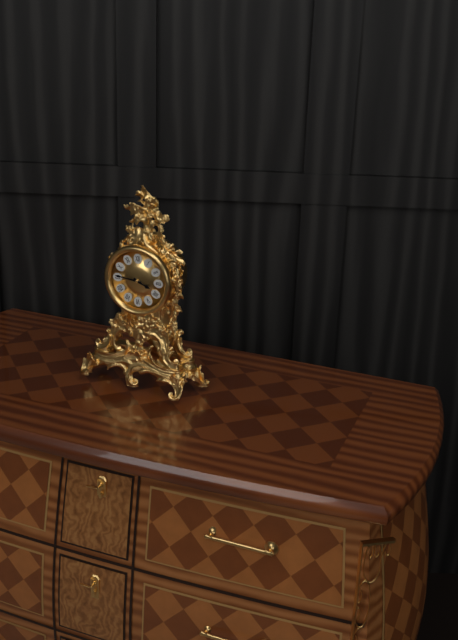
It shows 3:46
